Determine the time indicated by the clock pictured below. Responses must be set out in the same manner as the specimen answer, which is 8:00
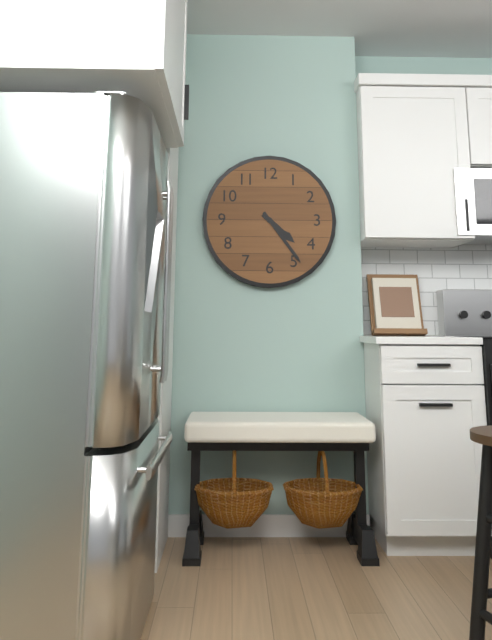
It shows 4:24
